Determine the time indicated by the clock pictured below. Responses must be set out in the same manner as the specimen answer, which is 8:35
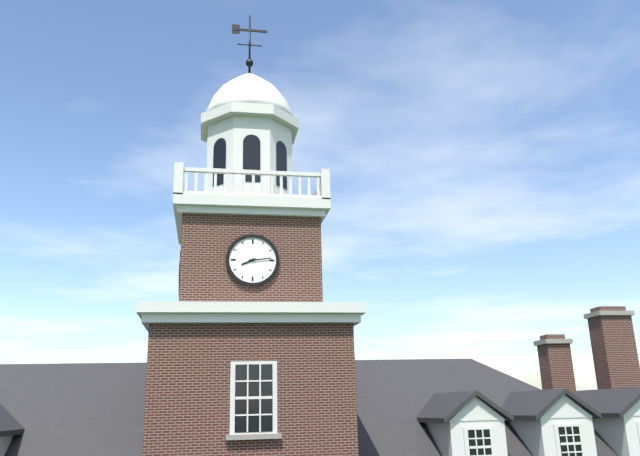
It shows 8:14
